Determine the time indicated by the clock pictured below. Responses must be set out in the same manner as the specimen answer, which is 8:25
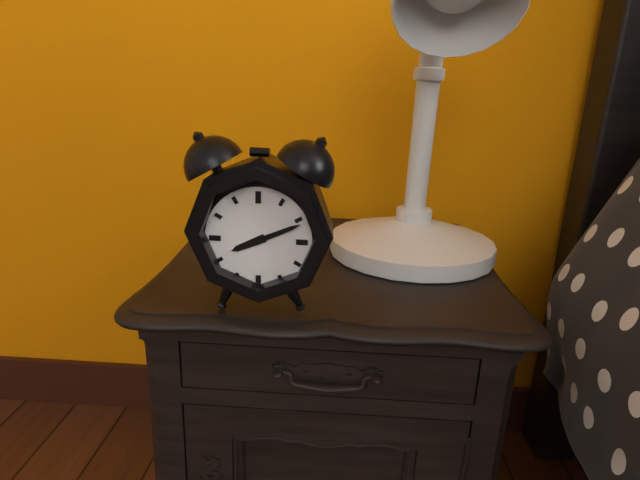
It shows 8:11
